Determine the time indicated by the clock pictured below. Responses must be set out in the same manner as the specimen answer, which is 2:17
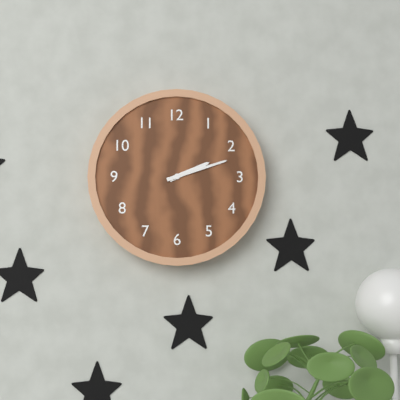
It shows 2:12
